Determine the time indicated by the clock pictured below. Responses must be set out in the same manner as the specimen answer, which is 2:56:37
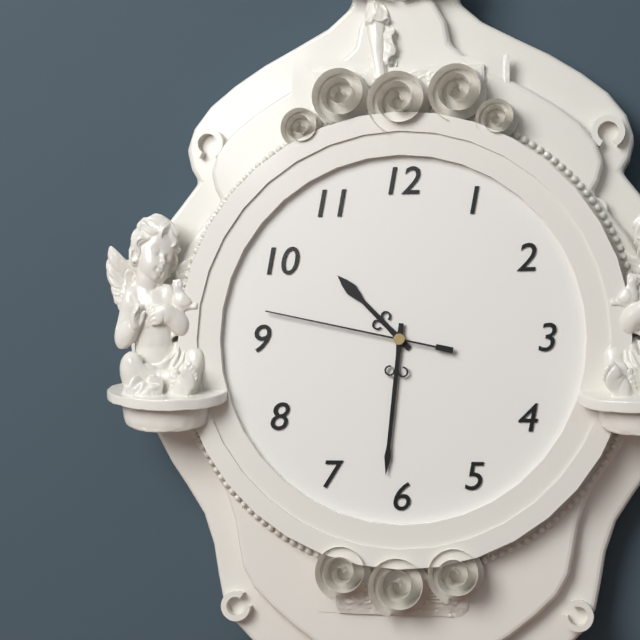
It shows 10:31:47
